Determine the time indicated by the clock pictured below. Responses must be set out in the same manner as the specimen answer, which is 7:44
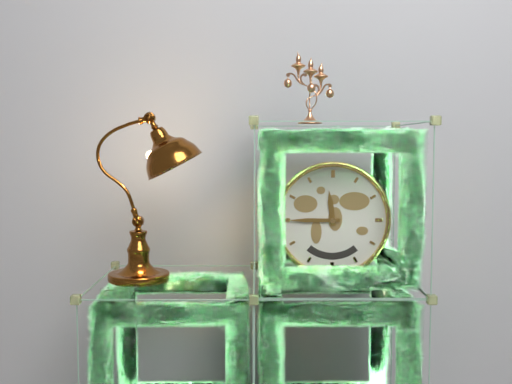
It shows 11:45
